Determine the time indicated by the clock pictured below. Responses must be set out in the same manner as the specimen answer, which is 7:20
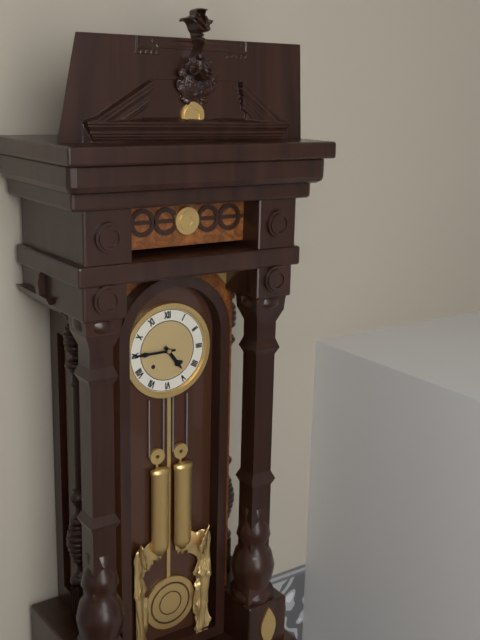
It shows 4:45
